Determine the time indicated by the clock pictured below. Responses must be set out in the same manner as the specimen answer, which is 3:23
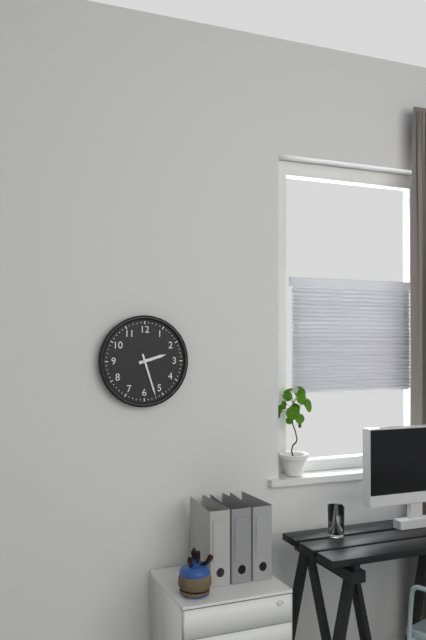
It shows 2:27
